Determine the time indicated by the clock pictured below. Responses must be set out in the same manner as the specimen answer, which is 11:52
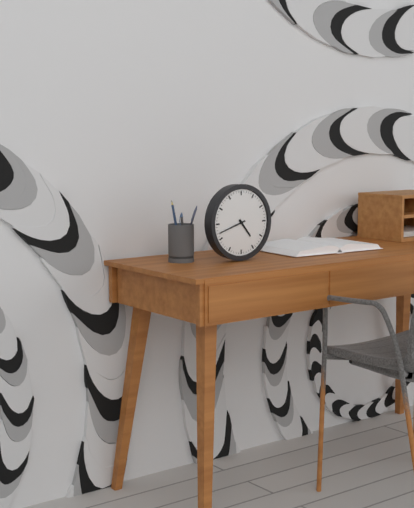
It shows 4:42
